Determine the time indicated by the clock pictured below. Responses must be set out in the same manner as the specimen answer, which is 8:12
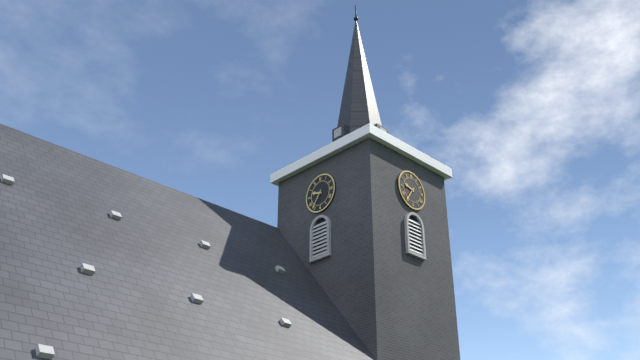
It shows 9:36
